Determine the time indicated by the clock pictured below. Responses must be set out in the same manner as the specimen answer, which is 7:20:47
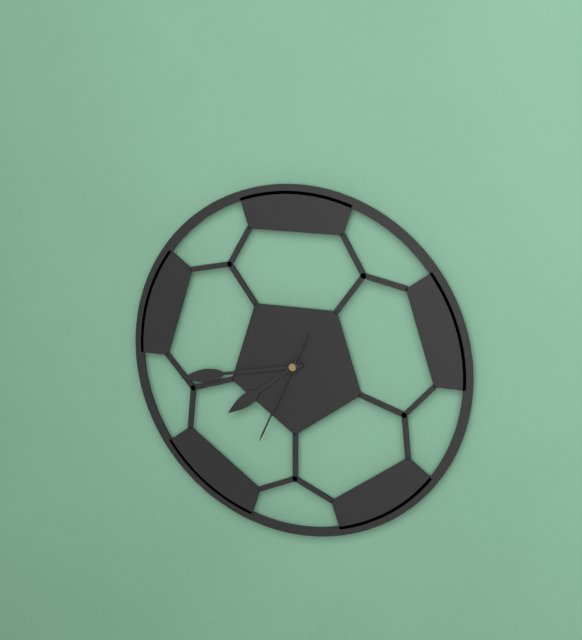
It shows 7:43:34
